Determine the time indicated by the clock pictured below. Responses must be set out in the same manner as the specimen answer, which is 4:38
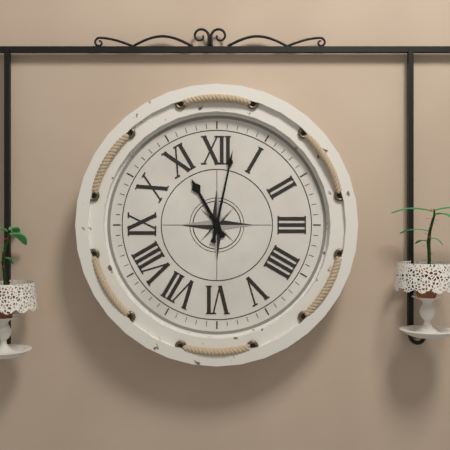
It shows 11:02
